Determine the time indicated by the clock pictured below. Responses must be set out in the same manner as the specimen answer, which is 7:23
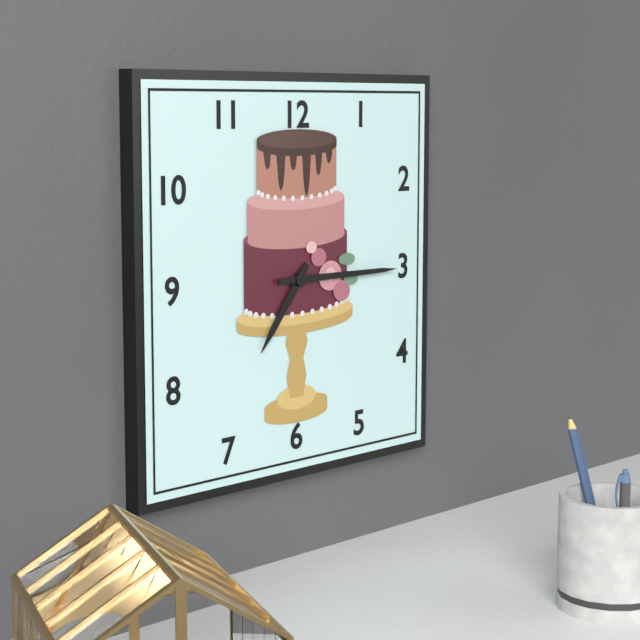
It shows 7:15
